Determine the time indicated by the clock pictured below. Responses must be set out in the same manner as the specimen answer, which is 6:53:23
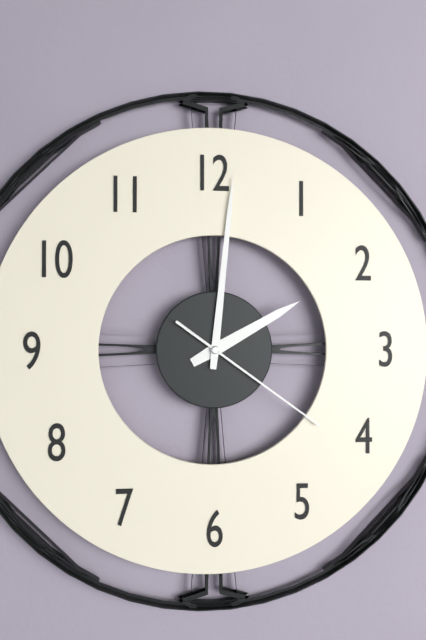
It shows 2:01:21
